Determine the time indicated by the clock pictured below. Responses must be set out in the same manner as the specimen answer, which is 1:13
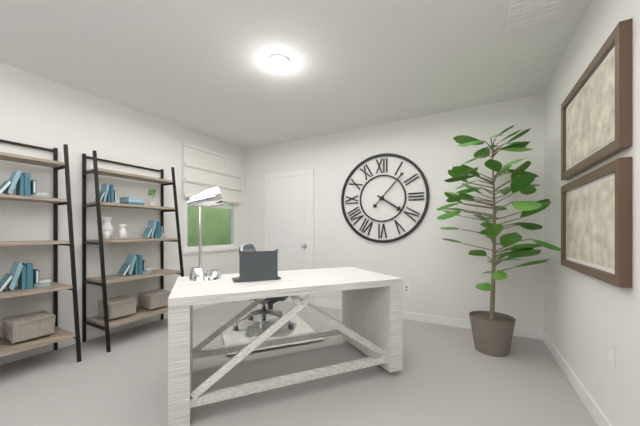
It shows 4:07
